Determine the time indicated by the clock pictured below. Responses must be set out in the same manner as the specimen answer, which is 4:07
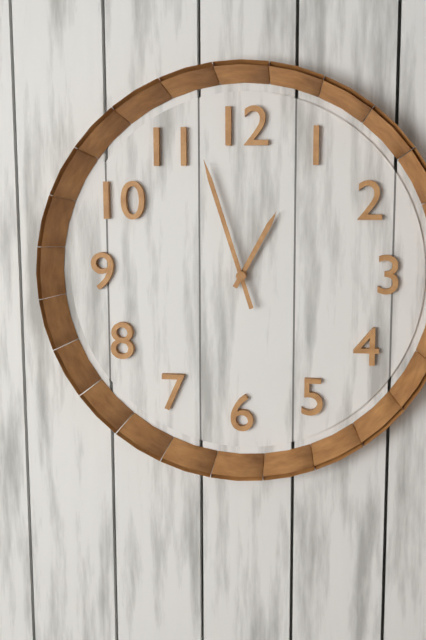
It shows 12:57
